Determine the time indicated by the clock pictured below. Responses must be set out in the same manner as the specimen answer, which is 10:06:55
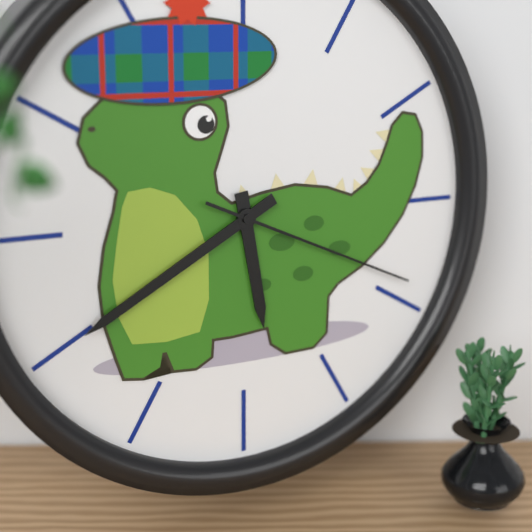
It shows 5:40:19
